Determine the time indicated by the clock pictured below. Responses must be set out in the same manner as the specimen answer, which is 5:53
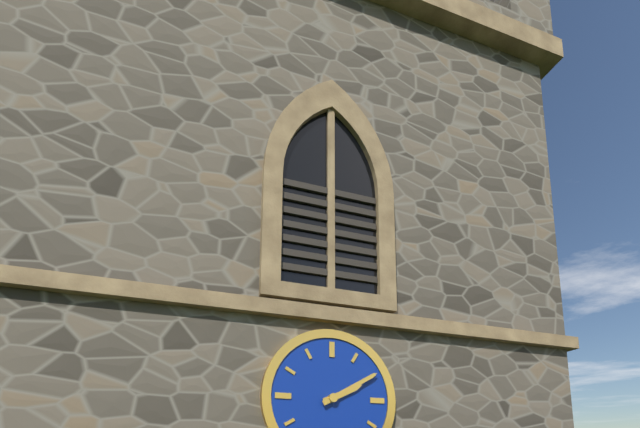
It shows 2:10
